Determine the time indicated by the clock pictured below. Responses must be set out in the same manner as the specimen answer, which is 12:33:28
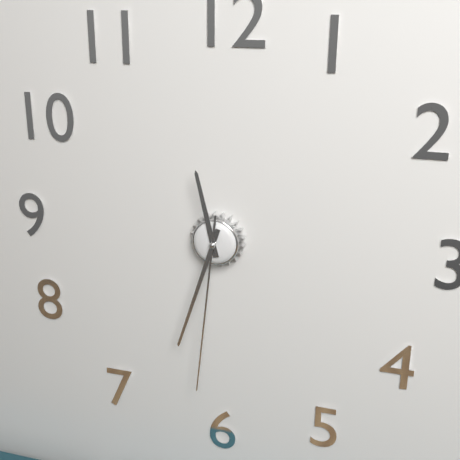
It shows 11:33:31
